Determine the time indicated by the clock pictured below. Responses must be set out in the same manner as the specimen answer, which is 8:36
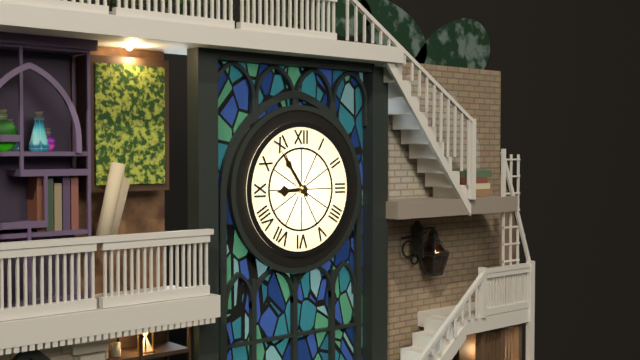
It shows 8:54
